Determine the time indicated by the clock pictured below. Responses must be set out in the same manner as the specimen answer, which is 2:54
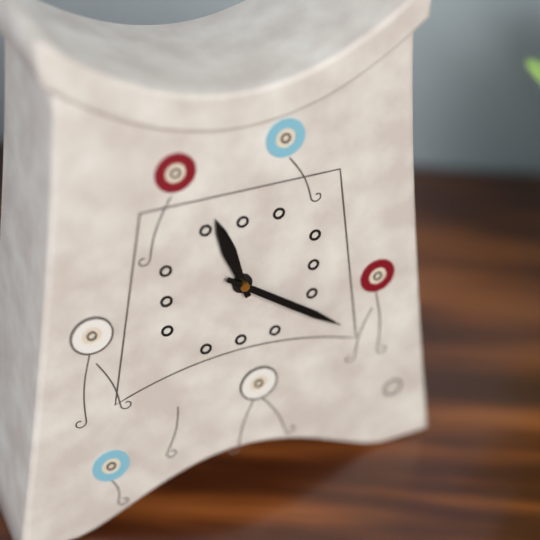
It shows 11:21
